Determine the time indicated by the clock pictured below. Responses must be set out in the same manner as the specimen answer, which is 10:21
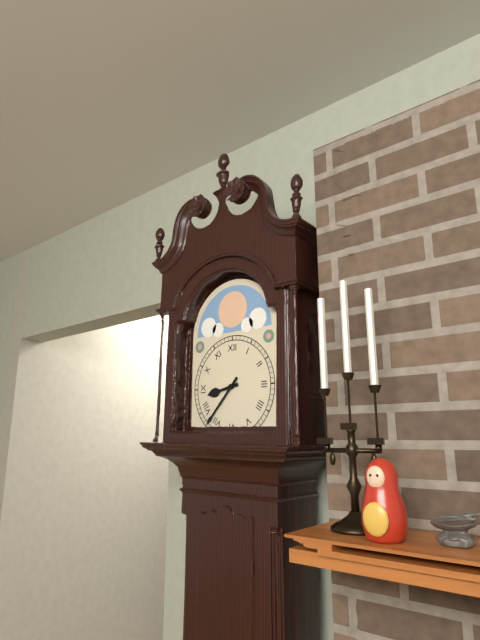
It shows 8:37
